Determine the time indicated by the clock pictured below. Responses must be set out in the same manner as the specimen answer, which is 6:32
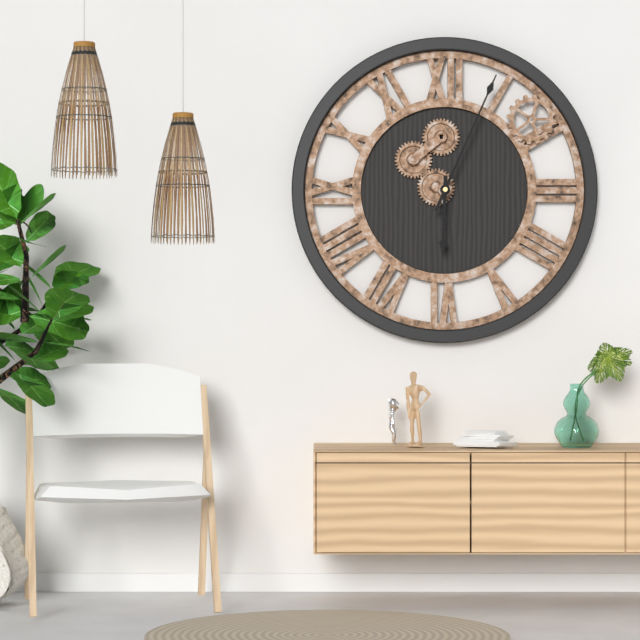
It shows 6:04
